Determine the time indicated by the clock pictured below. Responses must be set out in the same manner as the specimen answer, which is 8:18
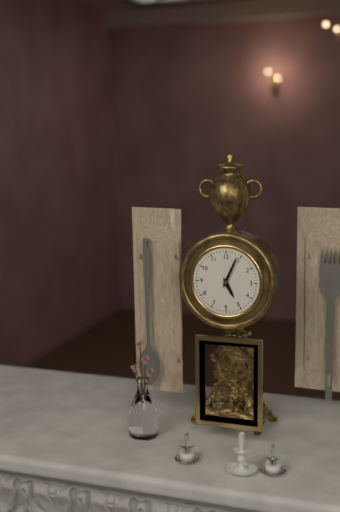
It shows 5:04
